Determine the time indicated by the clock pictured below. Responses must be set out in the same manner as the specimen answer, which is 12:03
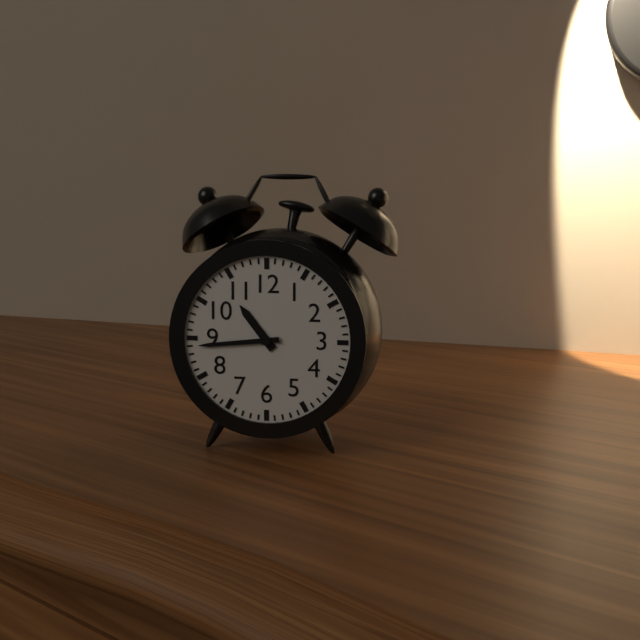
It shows 10:44
